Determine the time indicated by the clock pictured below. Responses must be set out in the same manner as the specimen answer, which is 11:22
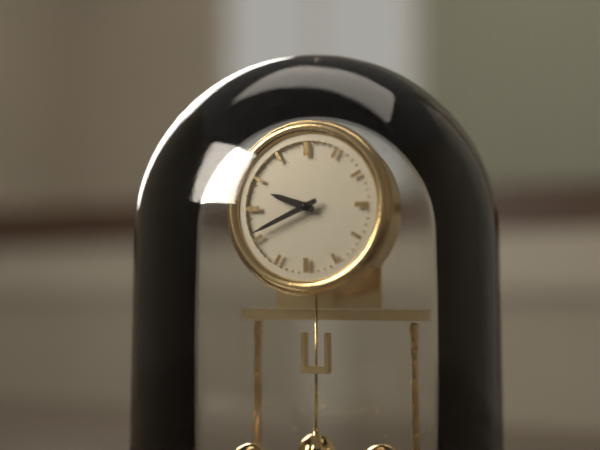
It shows 9:41
